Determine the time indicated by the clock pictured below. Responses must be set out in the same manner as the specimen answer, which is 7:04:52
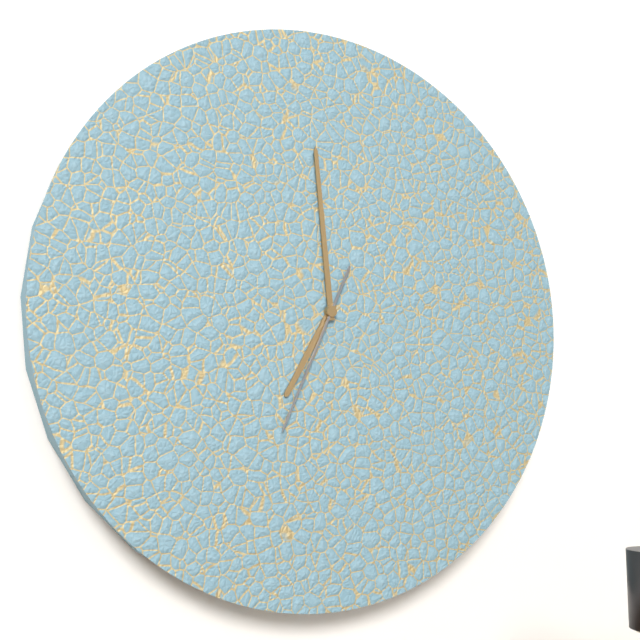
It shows 6:59:34
